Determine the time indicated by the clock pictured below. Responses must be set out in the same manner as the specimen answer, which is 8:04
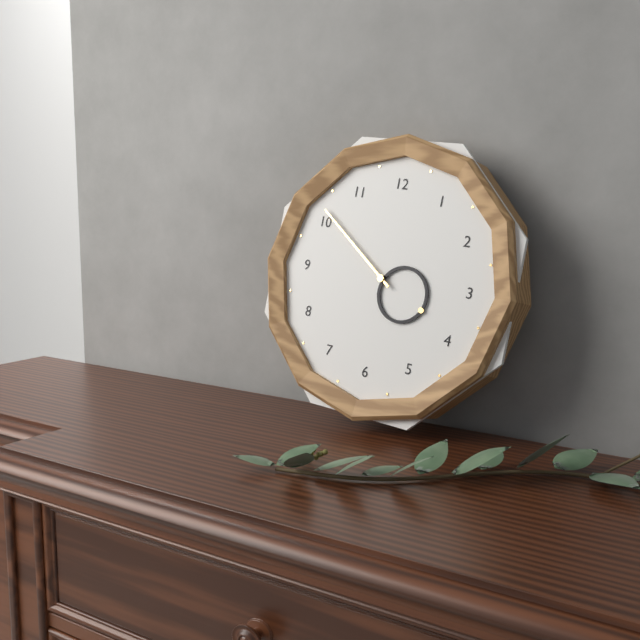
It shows 3:51
